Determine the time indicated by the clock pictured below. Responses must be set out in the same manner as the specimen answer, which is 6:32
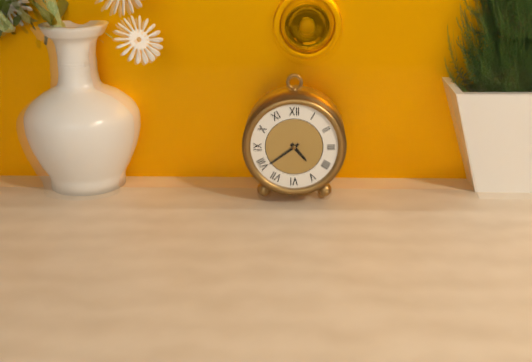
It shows 4:39
